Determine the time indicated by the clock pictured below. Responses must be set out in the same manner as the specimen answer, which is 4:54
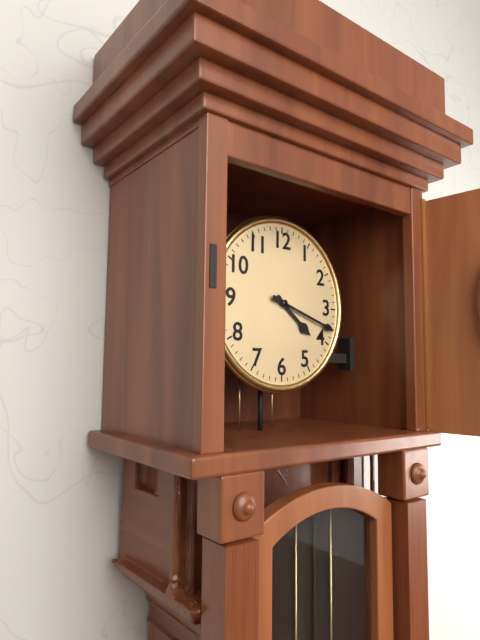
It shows 4:18
